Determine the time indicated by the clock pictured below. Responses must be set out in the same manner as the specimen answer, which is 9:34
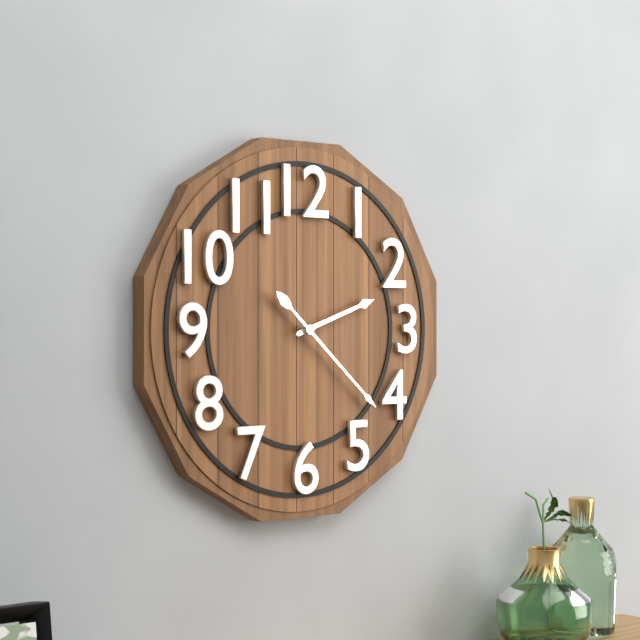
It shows 2:22
